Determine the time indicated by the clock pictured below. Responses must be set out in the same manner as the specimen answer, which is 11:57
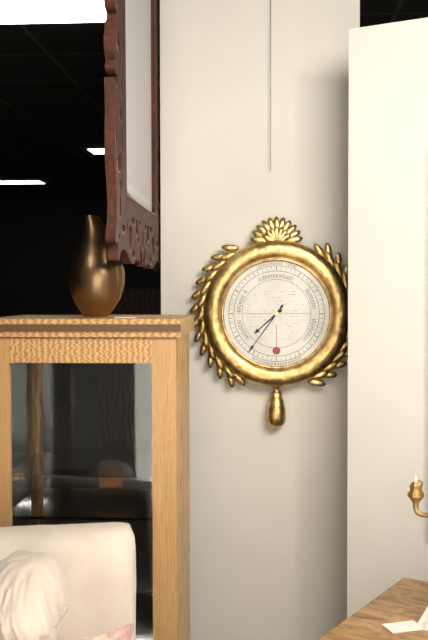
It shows 7:36
